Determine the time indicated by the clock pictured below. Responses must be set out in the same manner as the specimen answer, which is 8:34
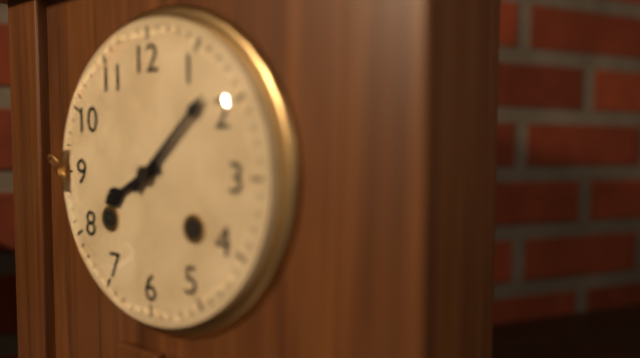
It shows 8:08
